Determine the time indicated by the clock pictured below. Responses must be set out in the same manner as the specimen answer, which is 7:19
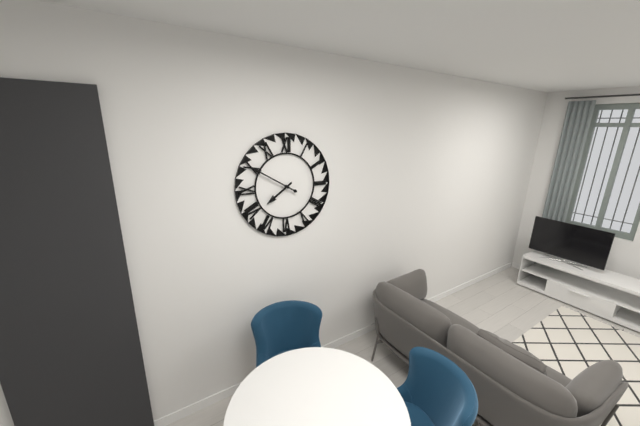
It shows 7:50
